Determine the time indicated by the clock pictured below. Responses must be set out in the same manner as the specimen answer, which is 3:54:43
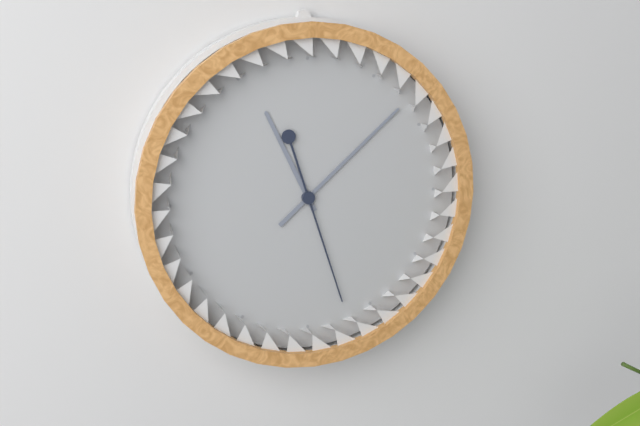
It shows 11:08:27
